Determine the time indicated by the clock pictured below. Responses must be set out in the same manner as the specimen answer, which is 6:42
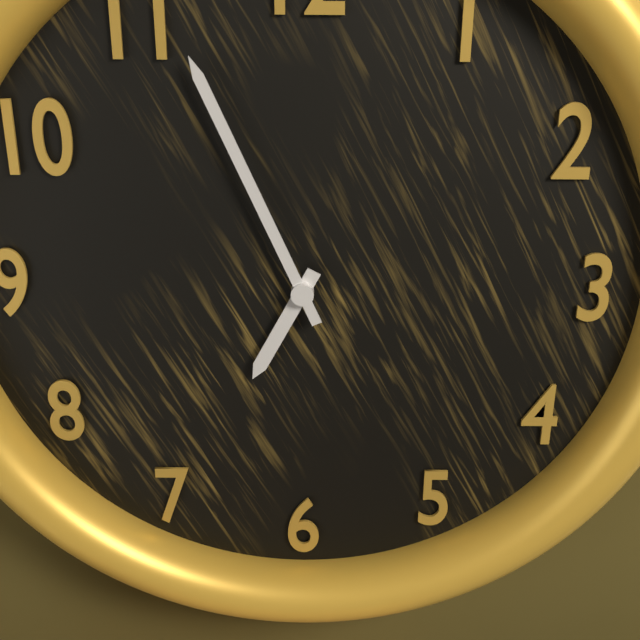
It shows 6:56
